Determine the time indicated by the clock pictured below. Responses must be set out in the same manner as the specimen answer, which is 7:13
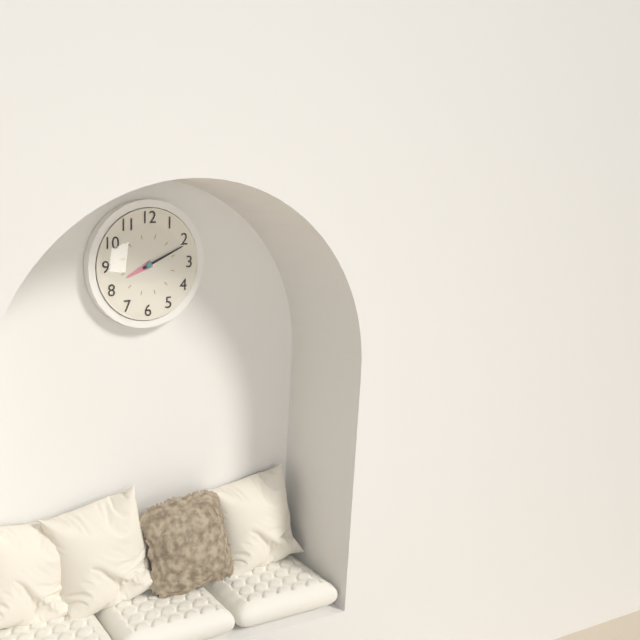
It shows 8:11
